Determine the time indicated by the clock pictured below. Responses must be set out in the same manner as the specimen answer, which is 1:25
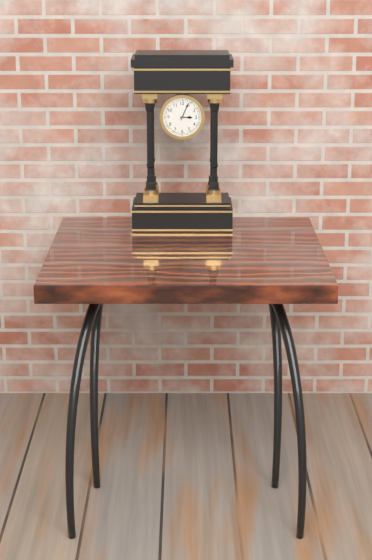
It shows 3:04
